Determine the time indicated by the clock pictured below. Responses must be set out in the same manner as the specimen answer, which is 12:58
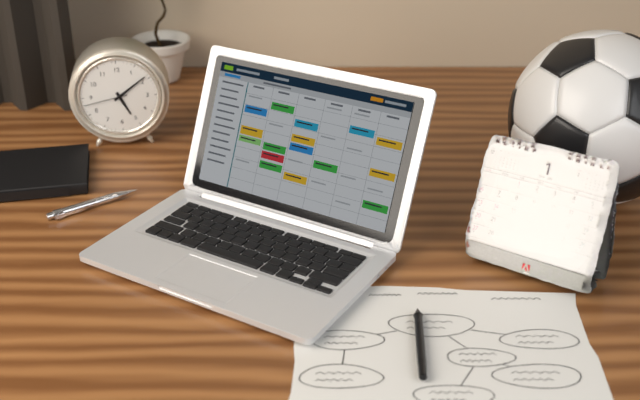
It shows 5:09
